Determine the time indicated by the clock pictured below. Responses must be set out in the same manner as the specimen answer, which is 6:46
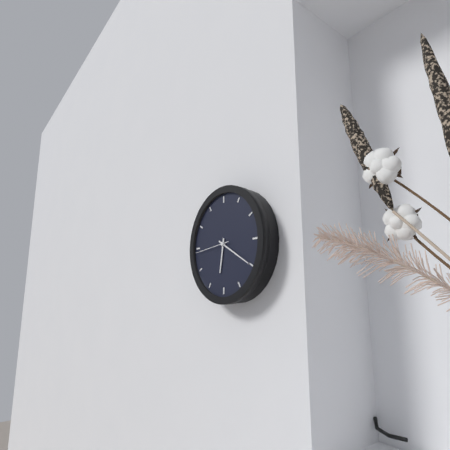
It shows 6:20
